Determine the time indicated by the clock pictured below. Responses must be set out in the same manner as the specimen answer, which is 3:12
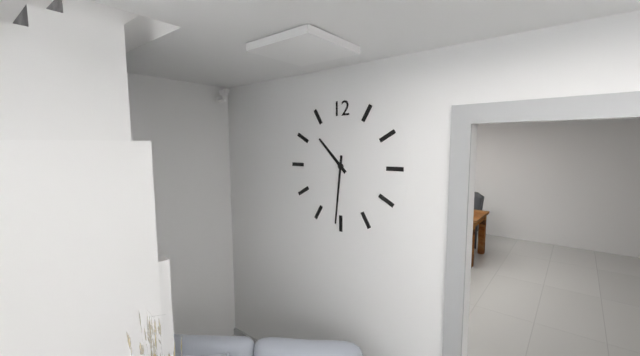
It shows 10:31
